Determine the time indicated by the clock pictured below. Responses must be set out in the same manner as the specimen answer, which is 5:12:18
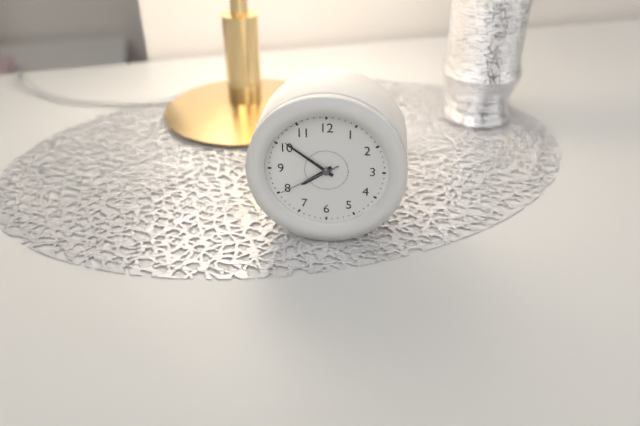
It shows 7:51:40
